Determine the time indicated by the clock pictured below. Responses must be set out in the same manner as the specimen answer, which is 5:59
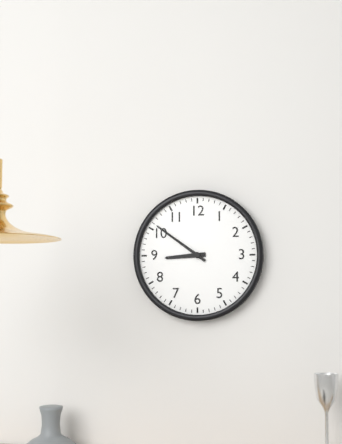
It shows 8:51
